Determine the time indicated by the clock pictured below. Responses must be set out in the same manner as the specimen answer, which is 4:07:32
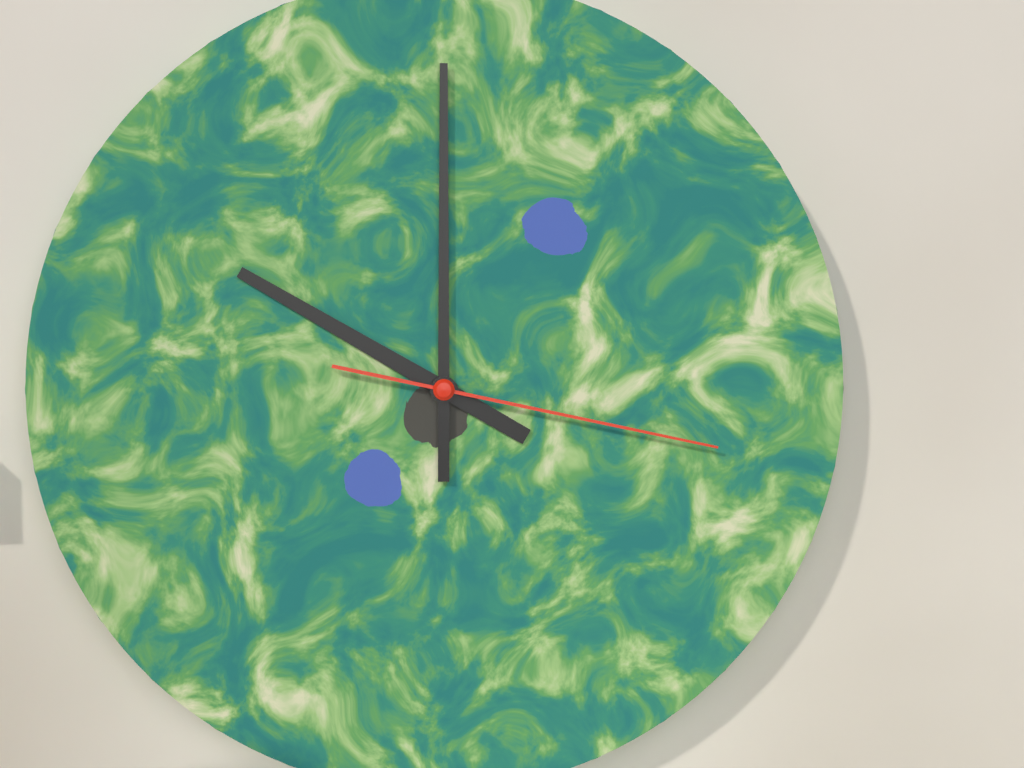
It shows 10:00:17
